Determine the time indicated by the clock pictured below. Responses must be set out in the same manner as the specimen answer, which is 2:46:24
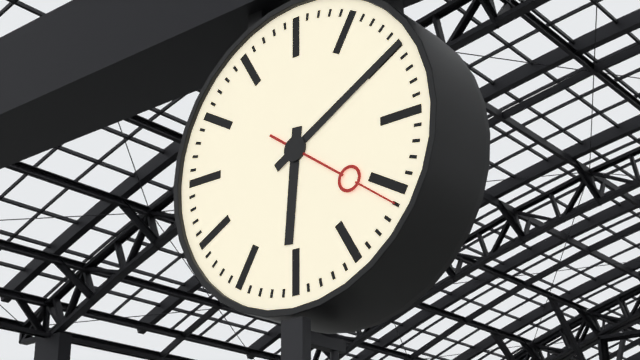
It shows 6:10:21
